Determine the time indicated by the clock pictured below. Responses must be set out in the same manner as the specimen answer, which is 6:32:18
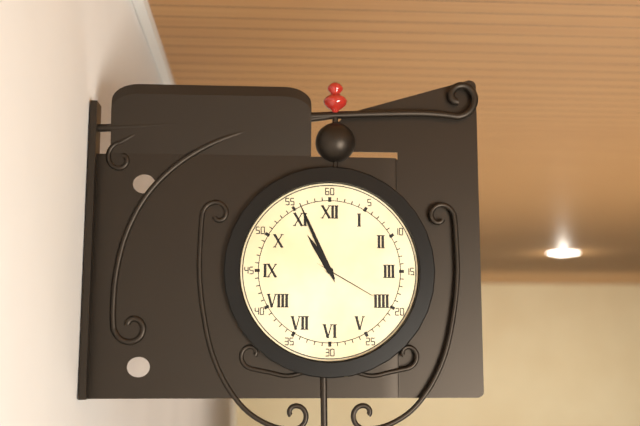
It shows 10:56:20
